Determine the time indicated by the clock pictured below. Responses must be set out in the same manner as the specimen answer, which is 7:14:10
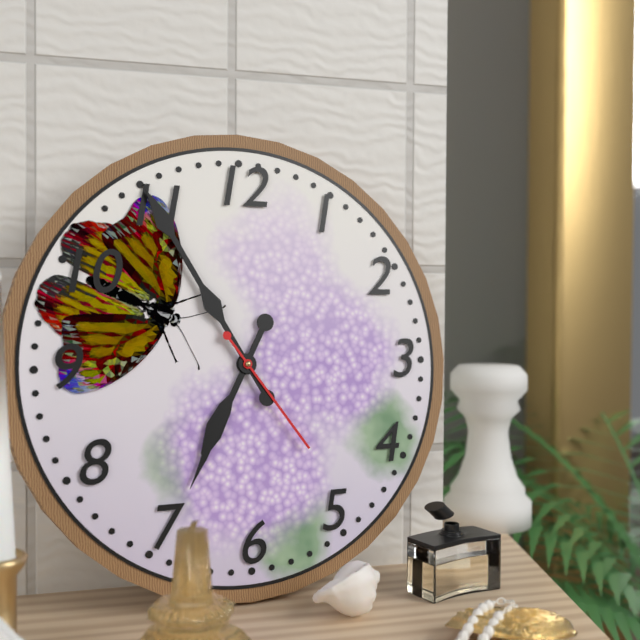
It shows 6:55:24
